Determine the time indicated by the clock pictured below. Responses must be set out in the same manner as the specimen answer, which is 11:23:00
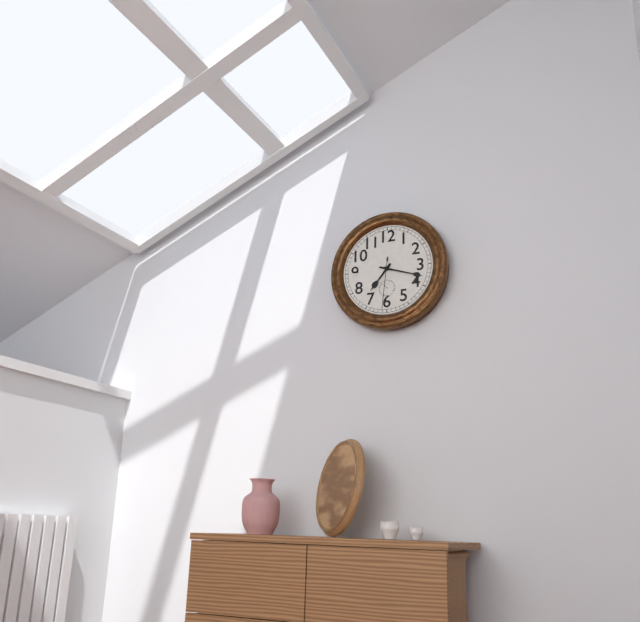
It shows 7:18:31
